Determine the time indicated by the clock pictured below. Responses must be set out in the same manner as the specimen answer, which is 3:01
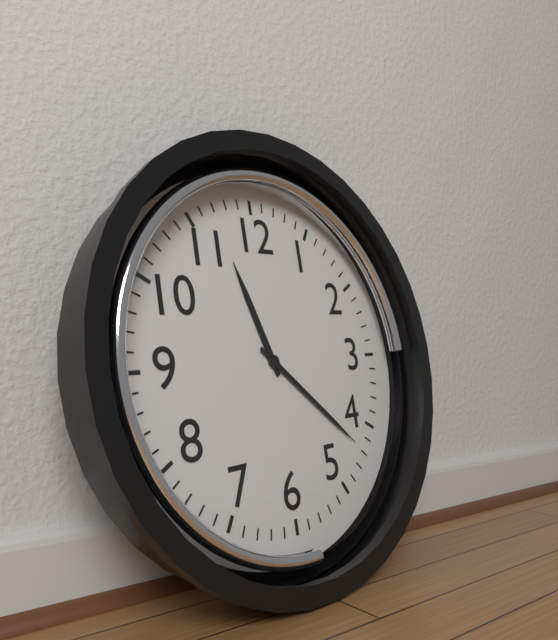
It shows 11:22
